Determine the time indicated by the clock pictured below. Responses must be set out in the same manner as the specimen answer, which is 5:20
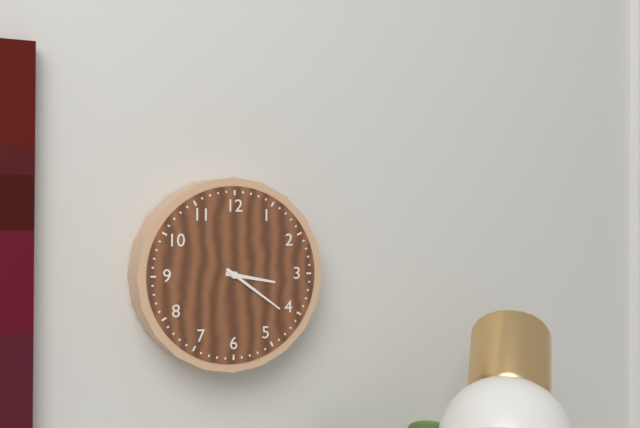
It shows 3:21
